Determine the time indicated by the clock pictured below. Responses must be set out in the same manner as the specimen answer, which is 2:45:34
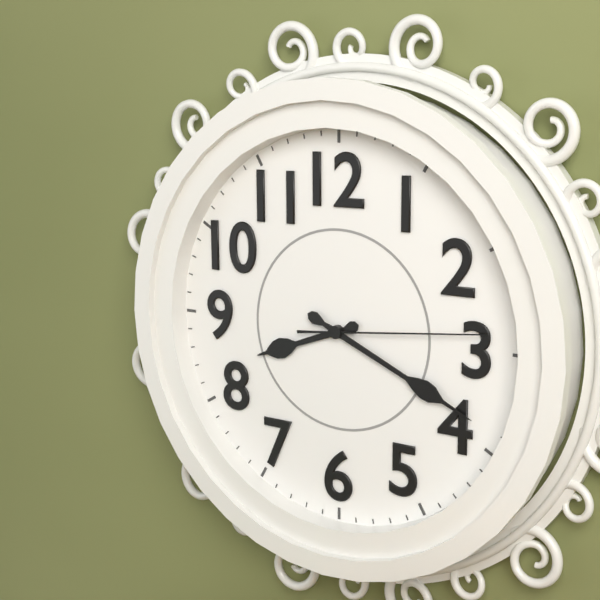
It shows 8:19:14
